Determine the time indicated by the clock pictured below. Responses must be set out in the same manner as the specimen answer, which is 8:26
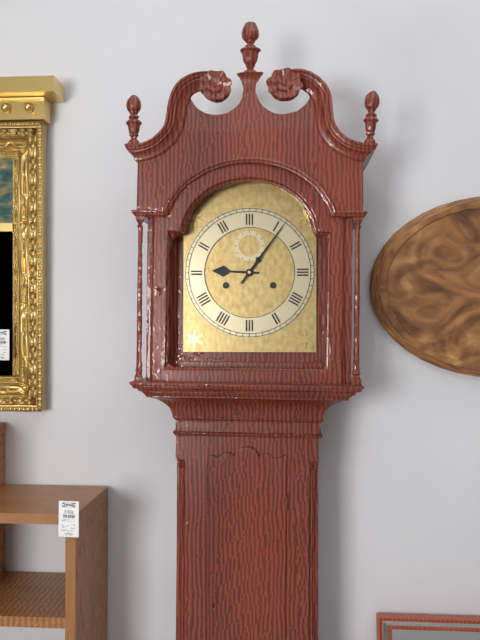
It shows 9:06
